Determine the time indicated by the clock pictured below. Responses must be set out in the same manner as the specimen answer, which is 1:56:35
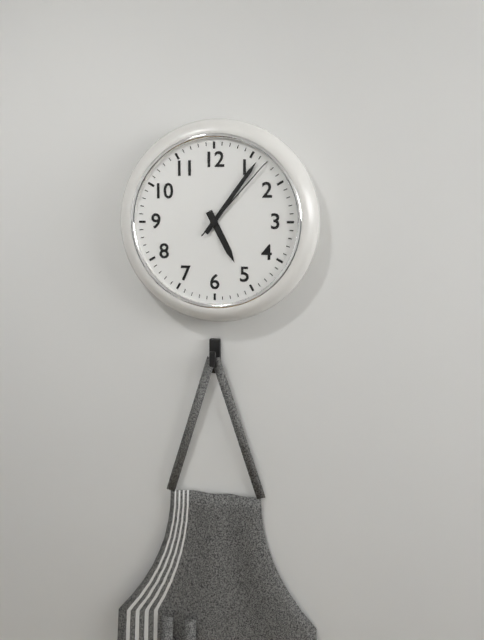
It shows 5:06:07
